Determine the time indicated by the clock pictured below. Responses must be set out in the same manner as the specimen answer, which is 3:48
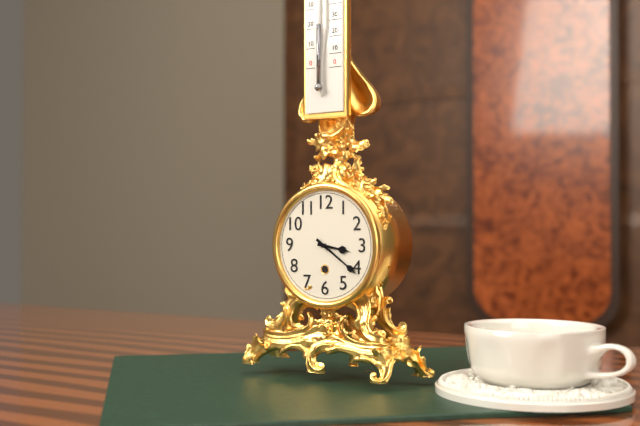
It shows 3:21
